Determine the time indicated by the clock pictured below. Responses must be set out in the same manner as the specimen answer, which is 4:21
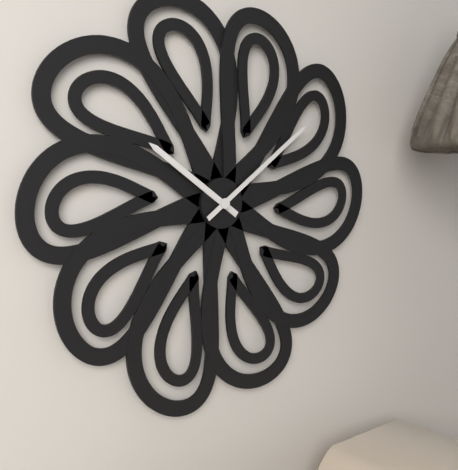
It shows 10:09
